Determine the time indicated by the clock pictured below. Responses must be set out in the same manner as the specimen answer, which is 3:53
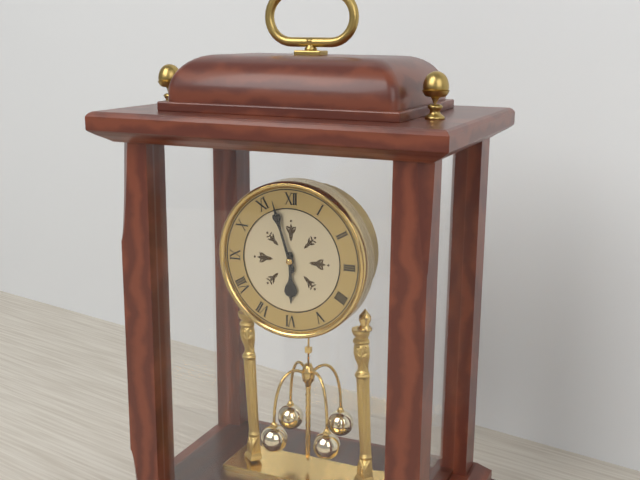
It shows 5:57
